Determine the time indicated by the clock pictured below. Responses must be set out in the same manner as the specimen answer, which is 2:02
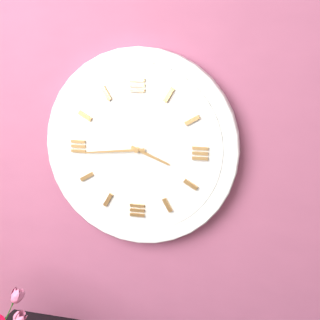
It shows 3:44
